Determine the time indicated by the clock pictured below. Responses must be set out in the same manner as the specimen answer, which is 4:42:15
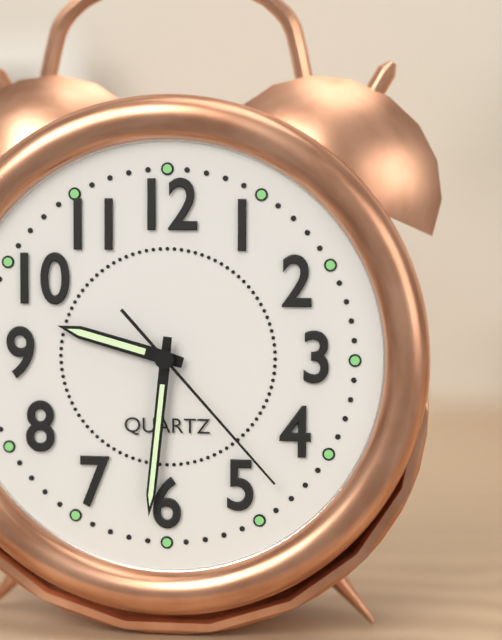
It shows 9:31:23
